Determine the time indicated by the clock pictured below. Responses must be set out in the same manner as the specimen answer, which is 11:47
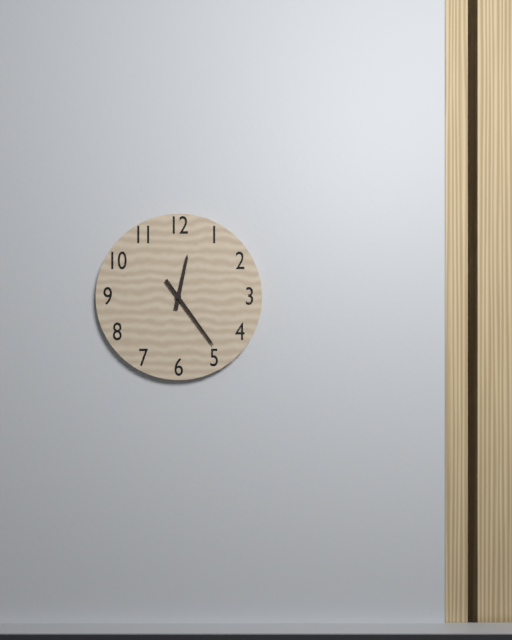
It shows 12:24
